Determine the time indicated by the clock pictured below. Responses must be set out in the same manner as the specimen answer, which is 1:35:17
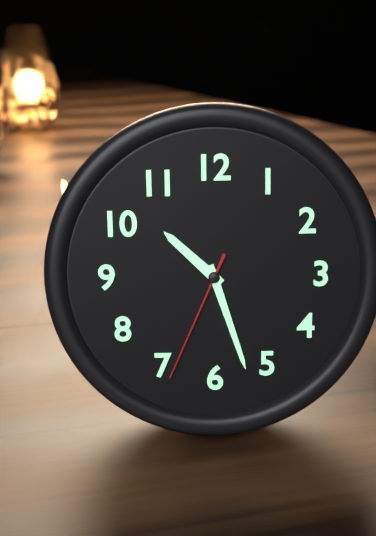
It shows 10:27:34
